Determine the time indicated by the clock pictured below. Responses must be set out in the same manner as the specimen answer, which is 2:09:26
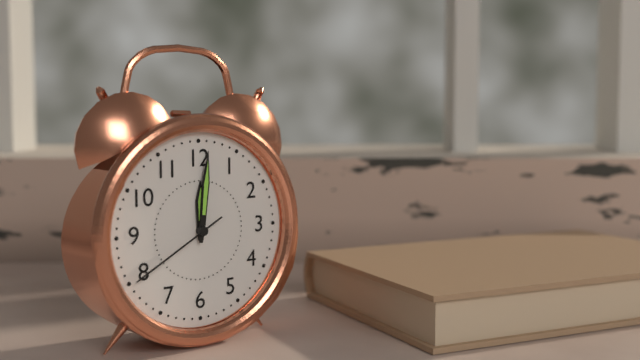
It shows 12:01:40
